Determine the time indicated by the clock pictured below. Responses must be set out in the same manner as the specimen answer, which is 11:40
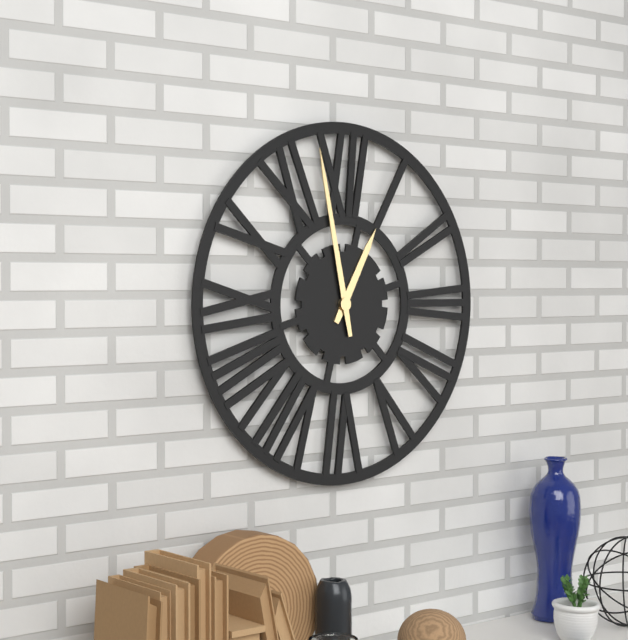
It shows 12:58
